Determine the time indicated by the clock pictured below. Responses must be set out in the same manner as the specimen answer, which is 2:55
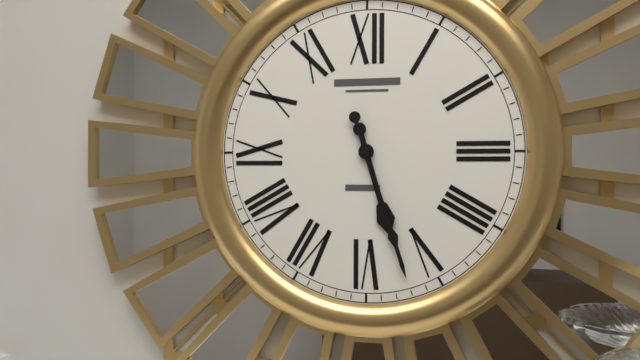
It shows 5:27
